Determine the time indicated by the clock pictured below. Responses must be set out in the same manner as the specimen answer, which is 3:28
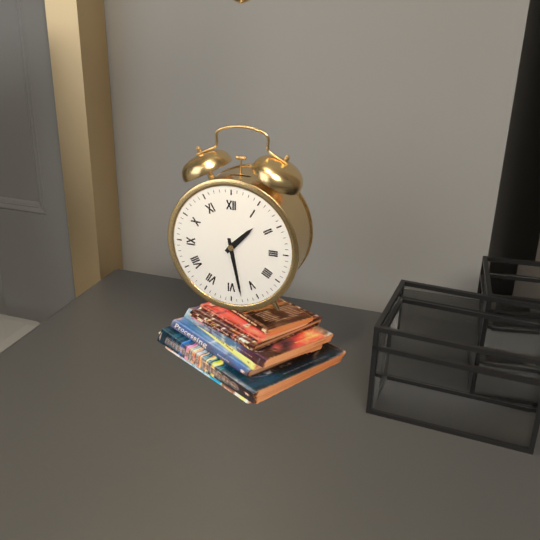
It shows 1:28
